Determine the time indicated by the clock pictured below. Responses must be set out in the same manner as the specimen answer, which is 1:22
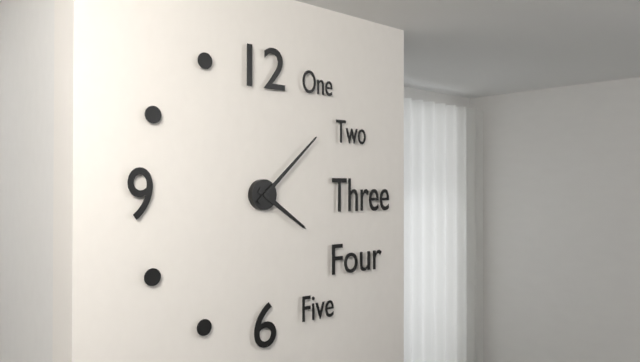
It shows 4:08
